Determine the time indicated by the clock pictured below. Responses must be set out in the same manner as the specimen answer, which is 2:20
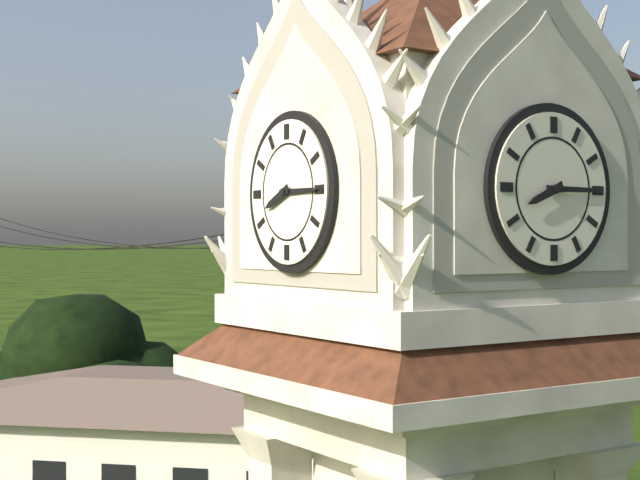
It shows 8:15
